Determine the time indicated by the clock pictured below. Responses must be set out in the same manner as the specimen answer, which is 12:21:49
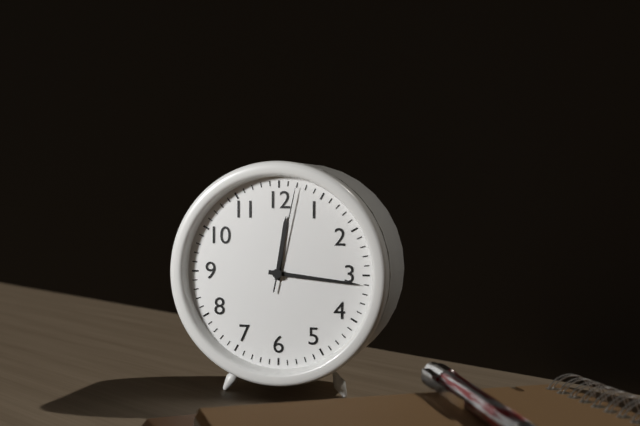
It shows 12:16:02
